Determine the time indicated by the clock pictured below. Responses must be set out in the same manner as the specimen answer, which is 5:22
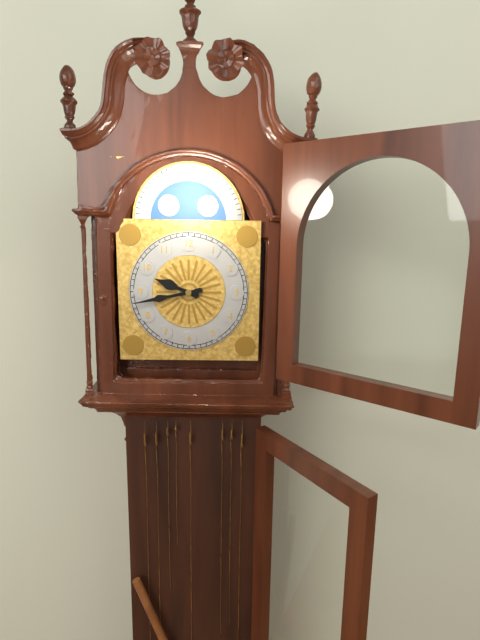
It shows 9:43
